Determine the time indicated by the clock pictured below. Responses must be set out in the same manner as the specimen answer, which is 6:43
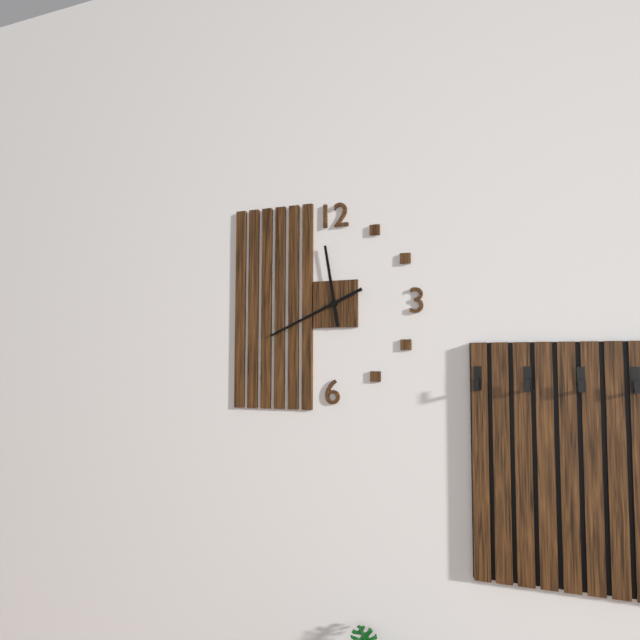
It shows 11:41
